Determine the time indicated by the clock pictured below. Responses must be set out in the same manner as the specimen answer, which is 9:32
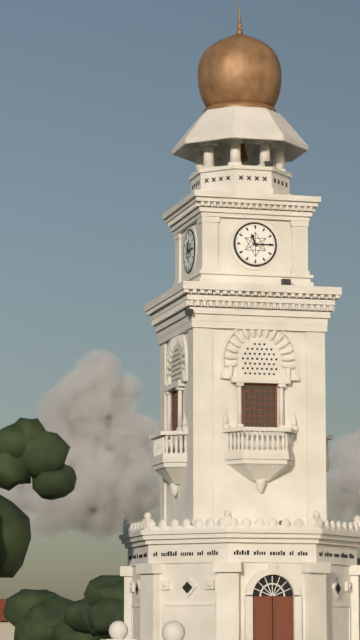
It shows 11:15
